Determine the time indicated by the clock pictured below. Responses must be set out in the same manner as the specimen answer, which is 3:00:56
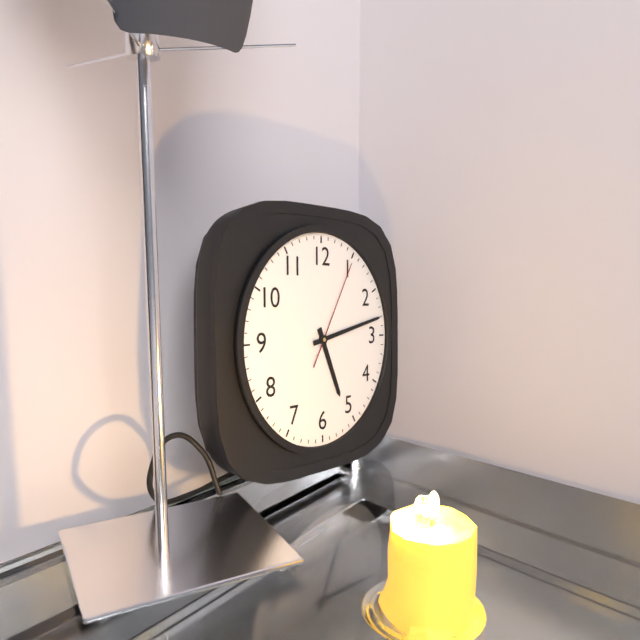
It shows 5:13:05
